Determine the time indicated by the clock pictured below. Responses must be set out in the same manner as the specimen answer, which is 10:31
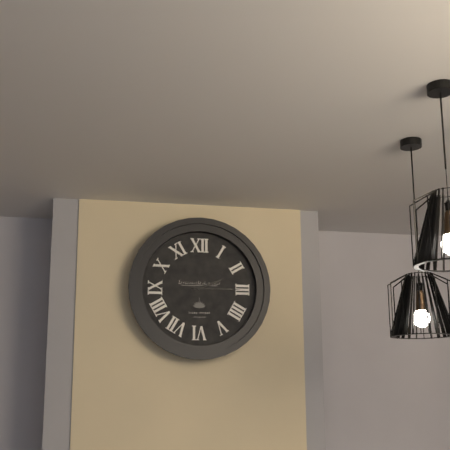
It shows 2:15
